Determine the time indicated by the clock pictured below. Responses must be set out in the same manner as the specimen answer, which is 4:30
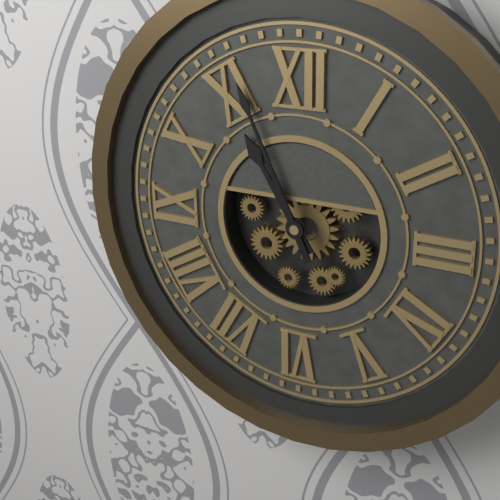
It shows 10:56
